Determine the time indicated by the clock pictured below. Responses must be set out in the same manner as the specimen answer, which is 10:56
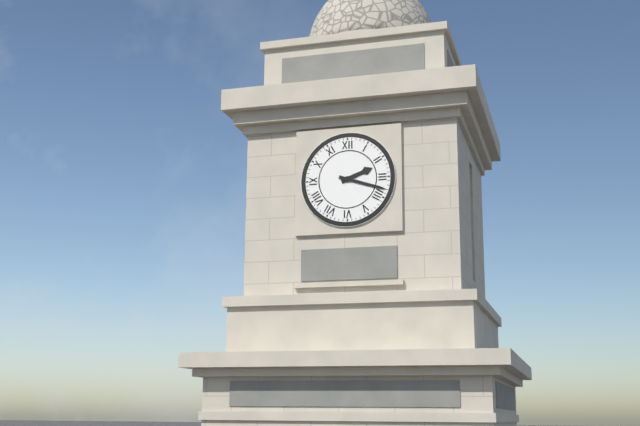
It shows 2:18
